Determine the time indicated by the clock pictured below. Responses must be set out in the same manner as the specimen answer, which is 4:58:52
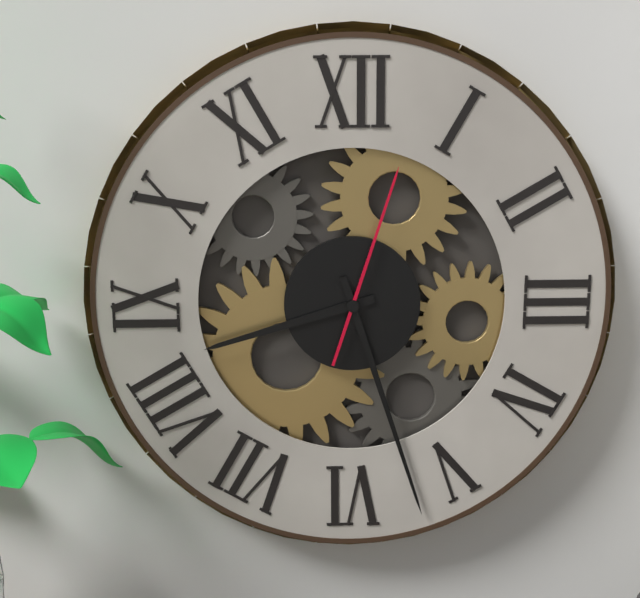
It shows 8:27:03
